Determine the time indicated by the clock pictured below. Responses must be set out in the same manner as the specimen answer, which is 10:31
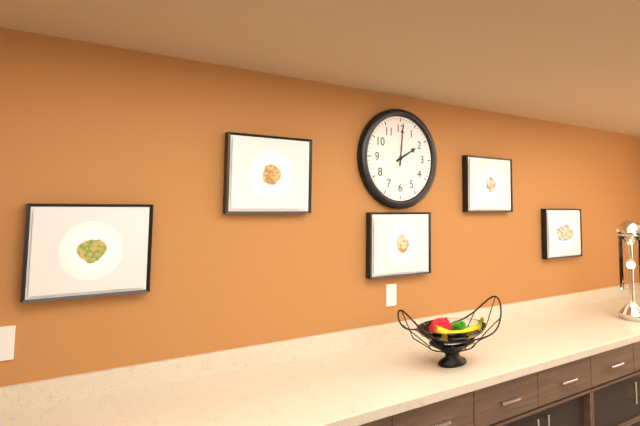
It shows 2:01
